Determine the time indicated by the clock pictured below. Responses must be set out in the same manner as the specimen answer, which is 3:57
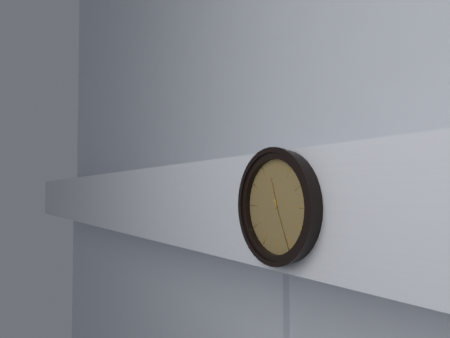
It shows 11:26
